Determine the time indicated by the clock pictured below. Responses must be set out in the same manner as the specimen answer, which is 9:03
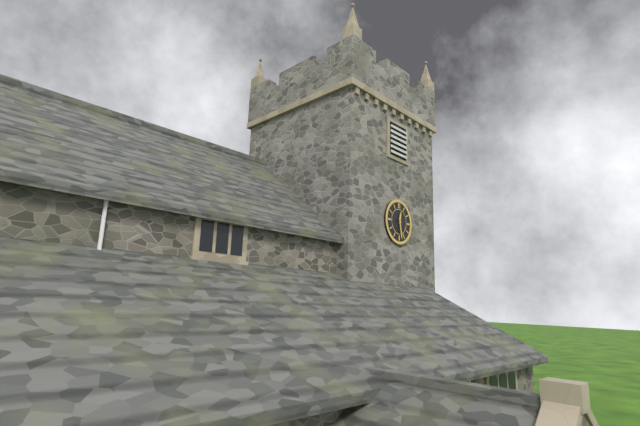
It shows 12:28
